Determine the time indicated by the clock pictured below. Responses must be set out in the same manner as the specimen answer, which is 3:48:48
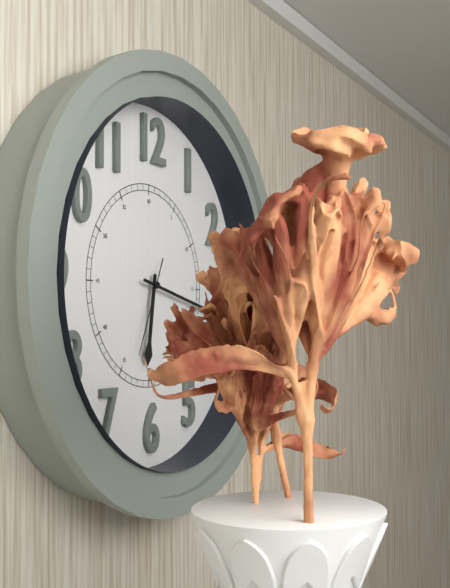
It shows 6:17:34
